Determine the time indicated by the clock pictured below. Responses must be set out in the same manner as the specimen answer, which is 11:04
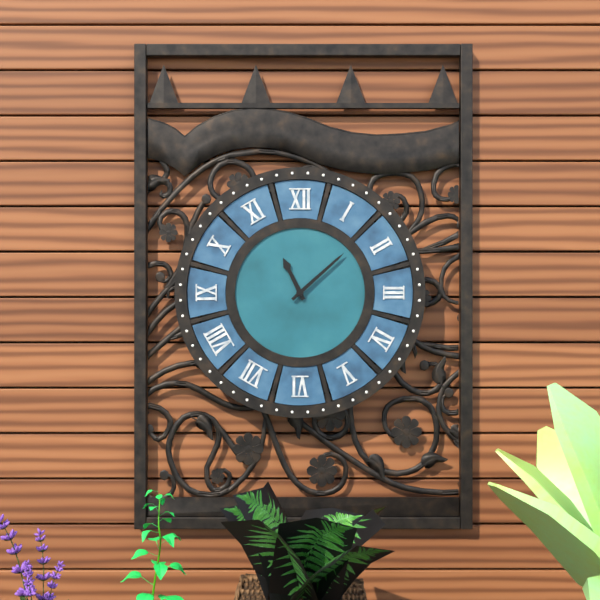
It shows 11:08
